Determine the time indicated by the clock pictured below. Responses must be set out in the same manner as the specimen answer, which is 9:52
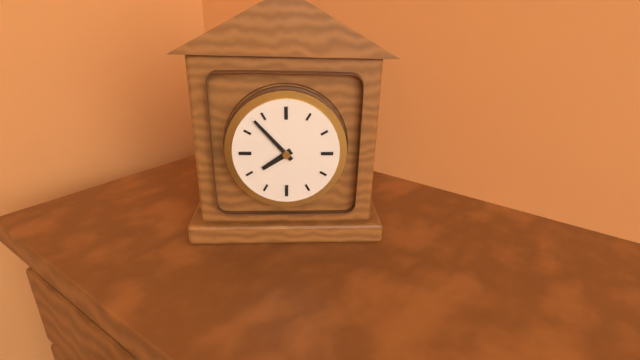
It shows 7:53
